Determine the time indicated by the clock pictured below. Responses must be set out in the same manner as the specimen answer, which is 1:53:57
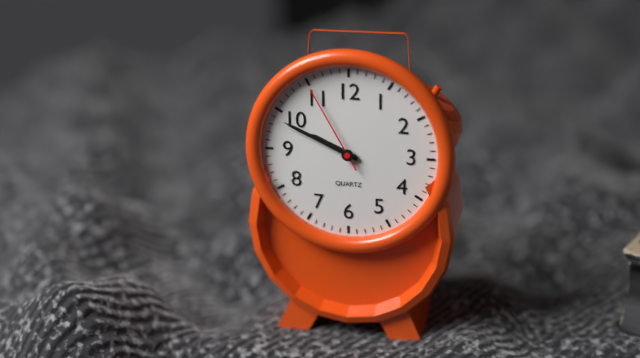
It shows 9:49:55
